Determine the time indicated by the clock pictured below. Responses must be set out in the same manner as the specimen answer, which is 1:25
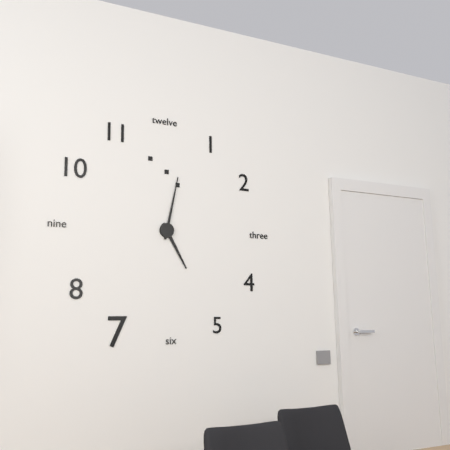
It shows 5:02
